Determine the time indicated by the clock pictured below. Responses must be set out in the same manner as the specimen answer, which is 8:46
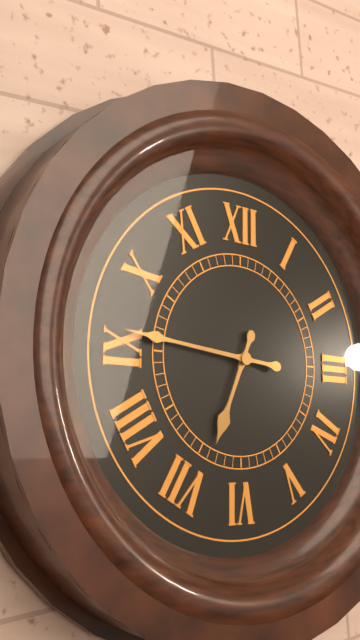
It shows 6:46
